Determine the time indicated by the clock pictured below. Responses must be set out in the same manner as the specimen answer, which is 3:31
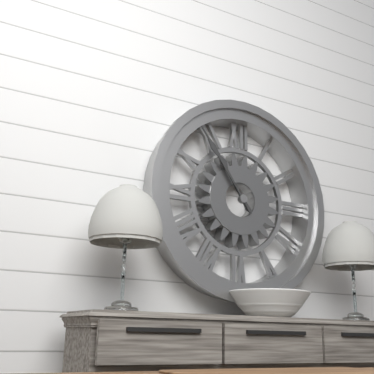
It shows 10:54
